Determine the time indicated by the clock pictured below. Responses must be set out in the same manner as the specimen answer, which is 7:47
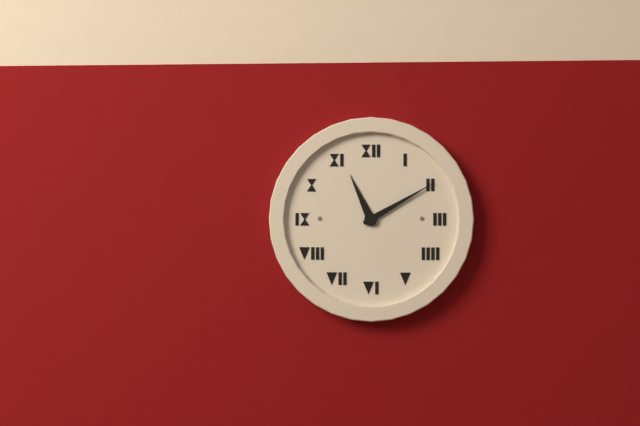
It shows 11:10
